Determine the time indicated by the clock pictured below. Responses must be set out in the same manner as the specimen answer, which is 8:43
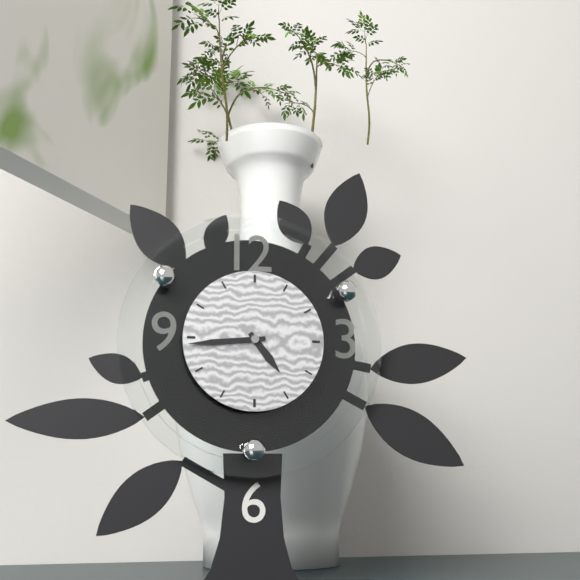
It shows 4:44
